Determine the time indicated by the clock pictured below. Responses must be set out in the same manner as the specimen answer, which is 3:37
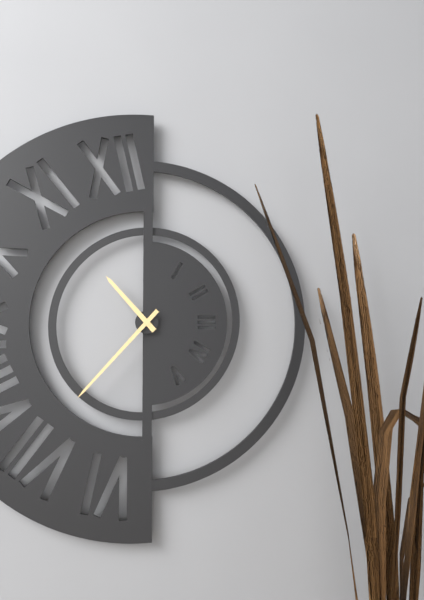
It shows 10:37
